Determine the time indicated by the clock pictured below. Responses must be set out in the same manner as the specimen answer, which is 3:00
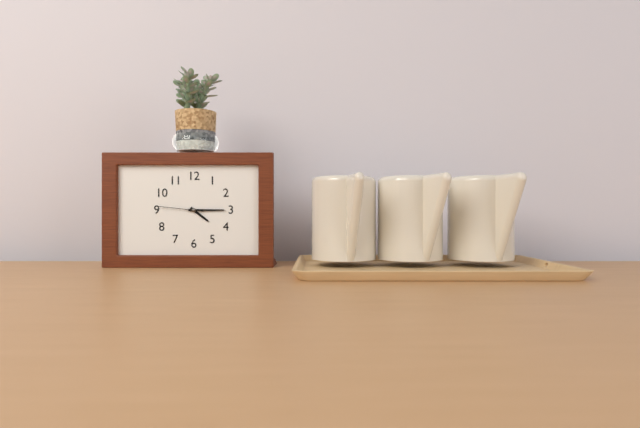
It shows 4:15
